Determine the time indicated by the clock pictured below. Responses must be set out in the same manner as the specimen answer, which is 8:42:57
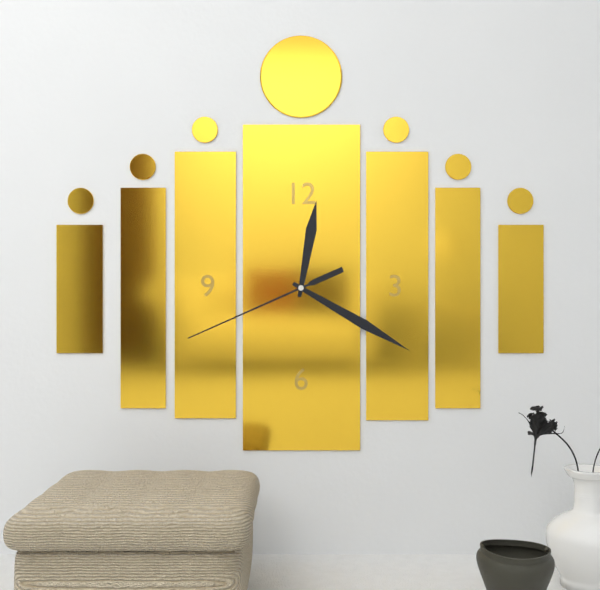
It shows 12:20:41
